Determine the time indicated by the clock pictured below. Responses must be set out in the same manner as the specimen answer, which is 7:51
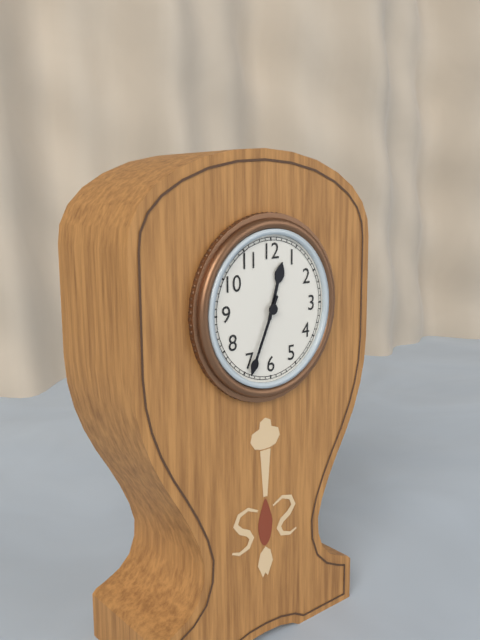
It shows 12:34
